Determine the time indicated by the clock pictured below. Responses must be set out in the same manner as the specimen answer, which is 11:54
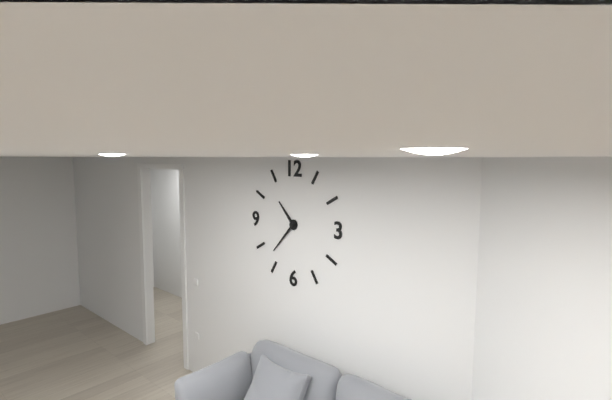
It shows 10:37
